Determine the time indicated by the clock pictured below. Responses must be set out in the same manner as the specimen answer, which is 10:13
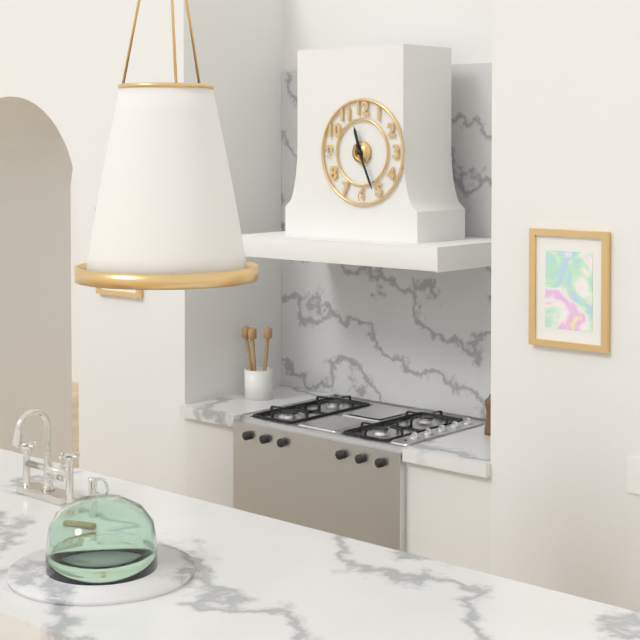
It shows 11:26
